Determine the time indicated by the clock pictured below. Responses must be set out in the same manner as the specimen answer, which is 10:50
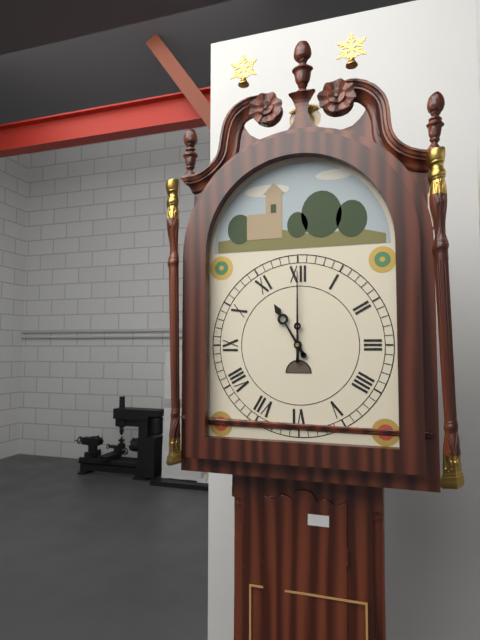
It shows 11:00
